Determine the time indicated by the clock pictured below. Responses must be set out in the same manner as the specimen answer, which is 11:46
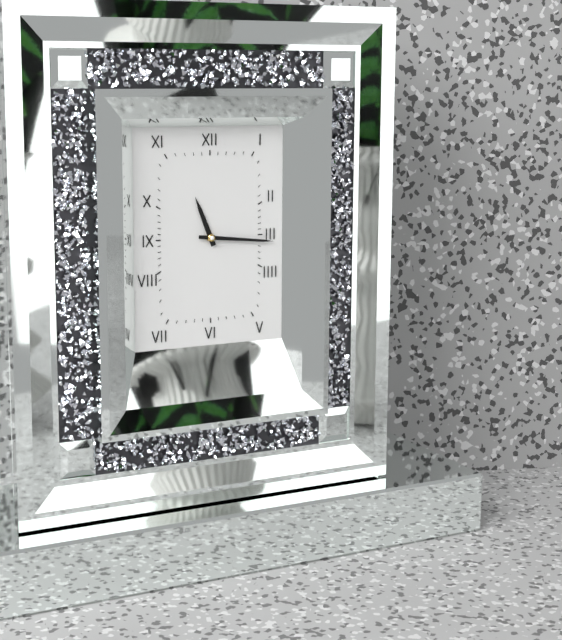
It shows 11:16
